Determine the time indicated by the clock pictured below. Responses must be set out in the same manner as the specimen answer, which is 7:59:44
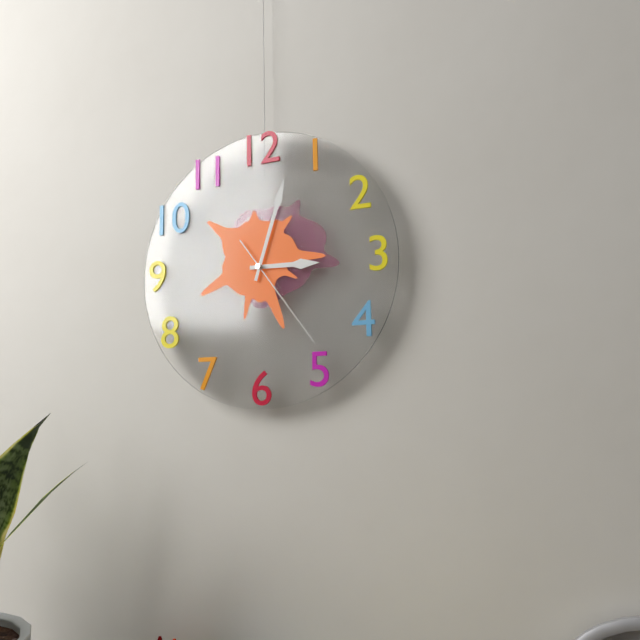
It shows 3:03:24
